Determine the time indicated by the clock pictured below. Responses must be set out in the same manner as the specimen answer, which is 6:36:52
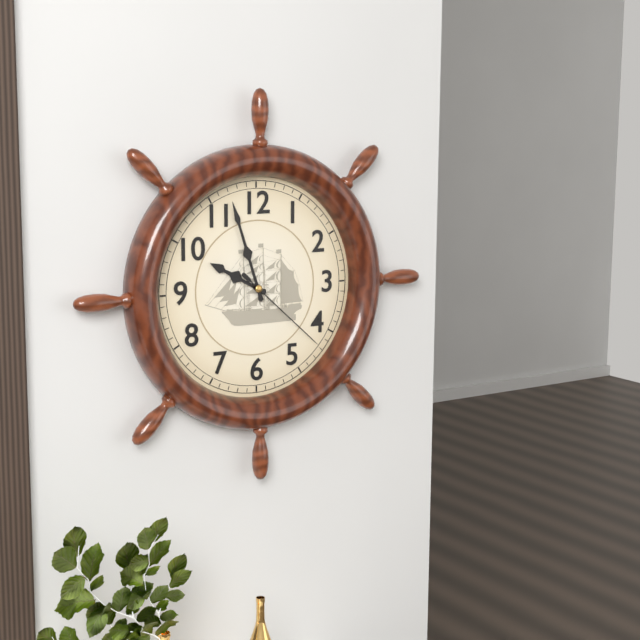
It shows 9:57:22
